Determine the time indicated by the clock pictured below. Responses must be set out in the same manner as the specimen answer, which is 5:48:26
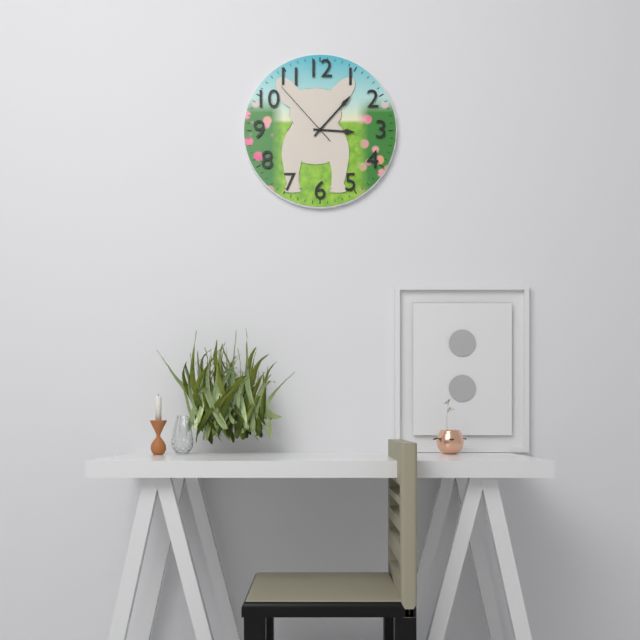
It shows 3:07:53
